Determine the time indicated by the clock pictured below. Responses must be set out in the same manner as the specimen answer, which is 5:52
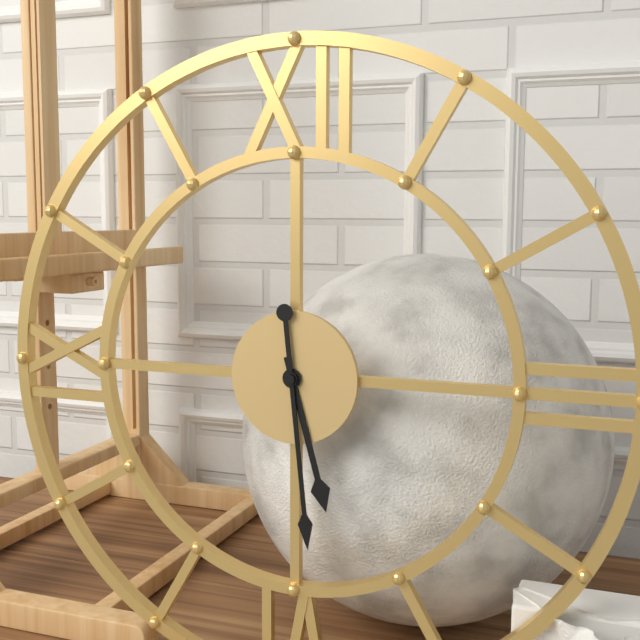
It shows 5:29
